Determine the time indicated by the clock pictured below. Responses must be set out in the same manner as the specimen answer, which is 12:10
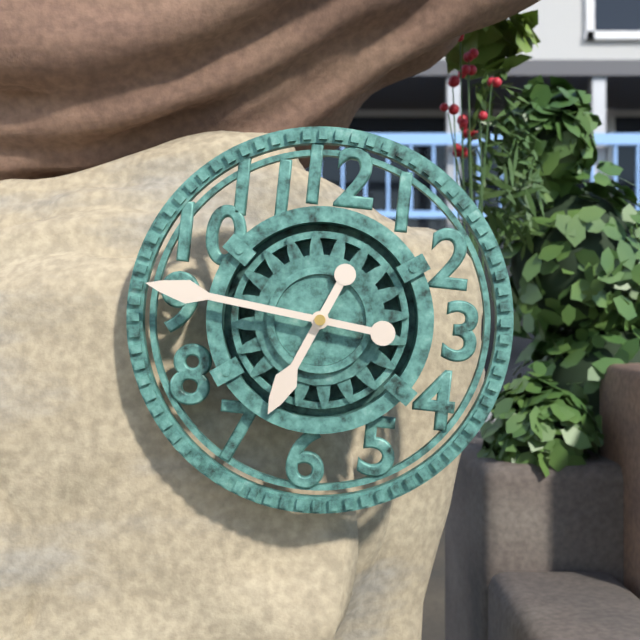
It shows 6:46
